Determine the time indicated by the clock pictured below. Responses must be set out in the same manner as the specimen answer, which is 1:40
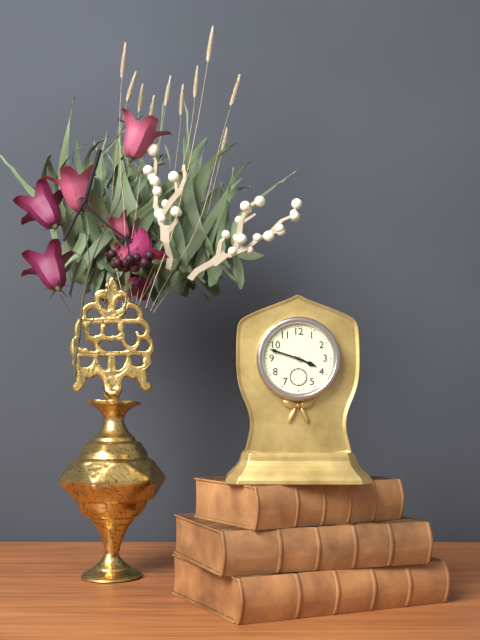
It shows 3:48
